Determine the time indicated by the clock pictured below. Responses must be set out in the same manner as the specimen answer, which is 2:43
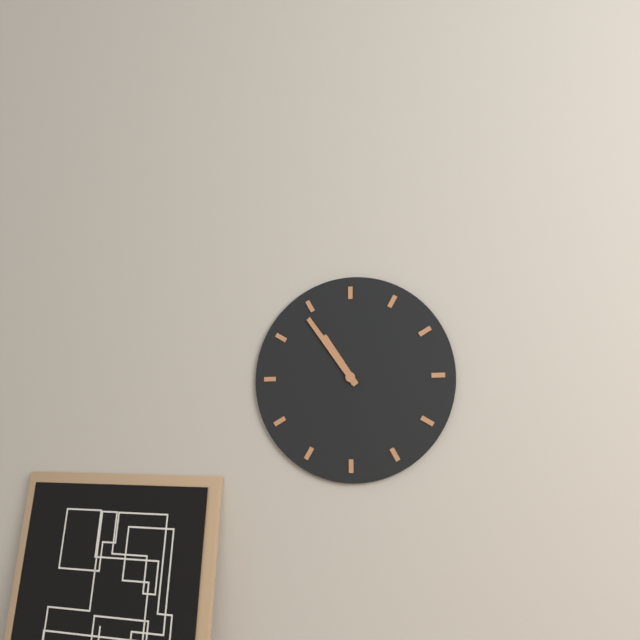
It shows 10:54
